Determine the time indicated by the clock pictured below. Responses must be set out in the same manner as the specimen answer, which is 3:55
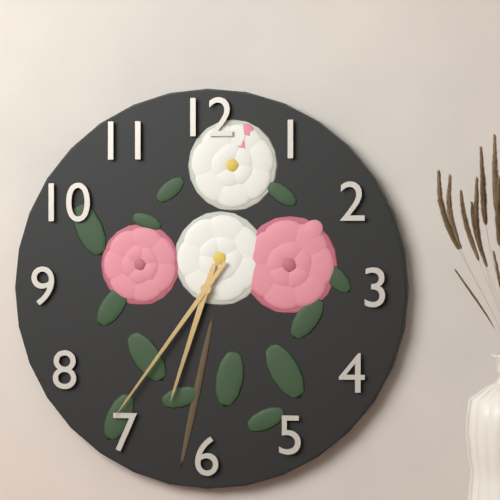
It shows 6:36
